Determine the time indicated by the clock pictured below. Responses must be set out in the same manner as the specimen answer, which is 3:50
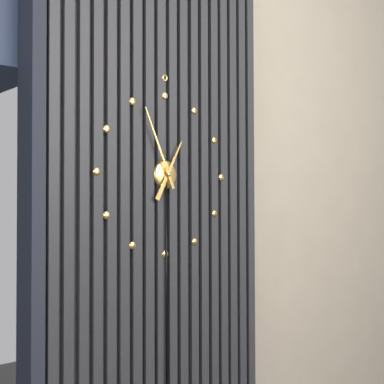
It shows 12:56
